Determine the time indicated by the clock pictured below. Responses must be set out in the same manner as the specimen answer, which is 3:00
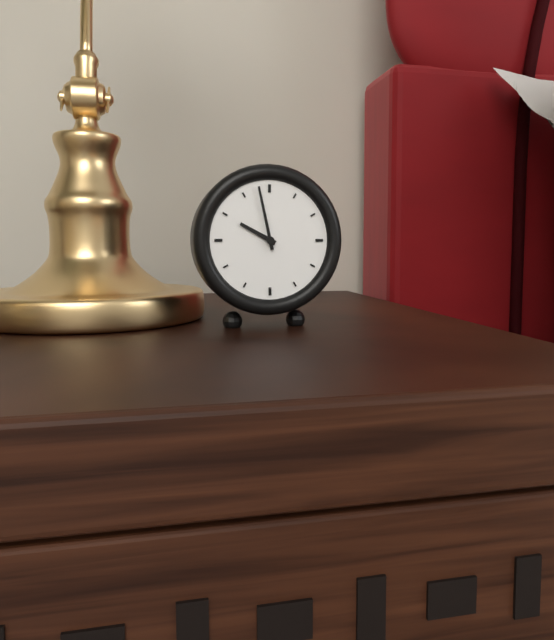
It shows 9:58
